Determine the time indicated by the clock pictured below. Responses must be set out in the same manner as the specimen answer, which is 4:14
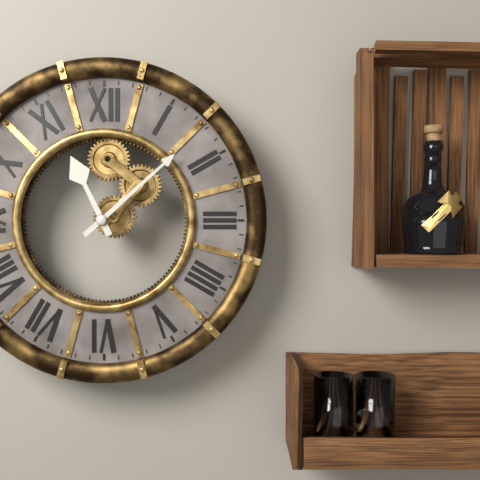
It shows 11:08
